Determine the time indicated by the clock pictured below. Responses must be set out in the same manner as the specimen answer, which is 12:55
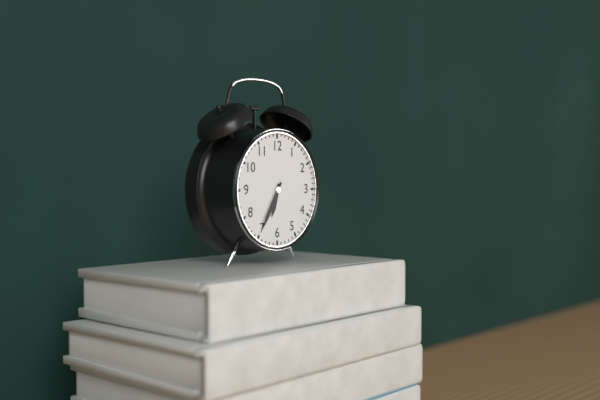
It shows 6:35
